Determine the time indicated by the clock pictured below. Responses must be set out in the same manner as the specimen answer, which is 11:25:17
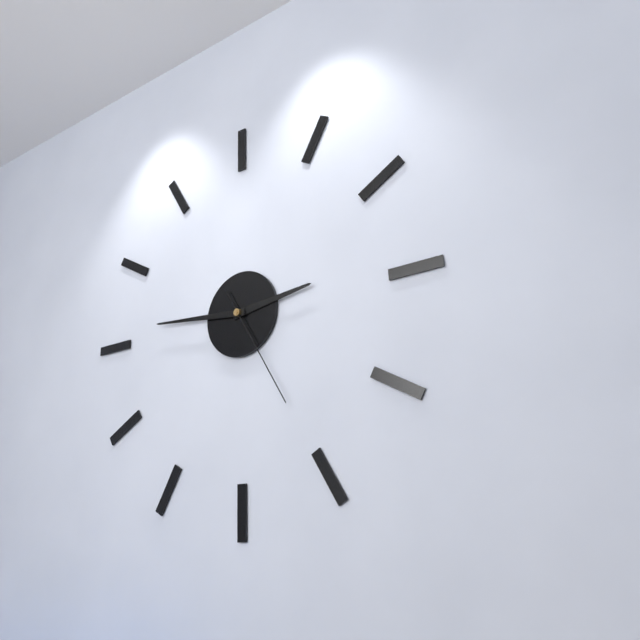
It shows 2:46:25
